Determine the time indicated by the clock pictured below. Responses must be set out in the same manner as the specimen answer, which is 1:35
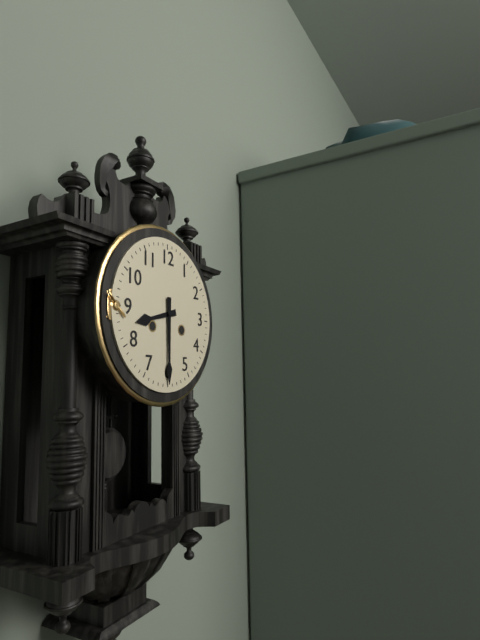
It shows 8:30
